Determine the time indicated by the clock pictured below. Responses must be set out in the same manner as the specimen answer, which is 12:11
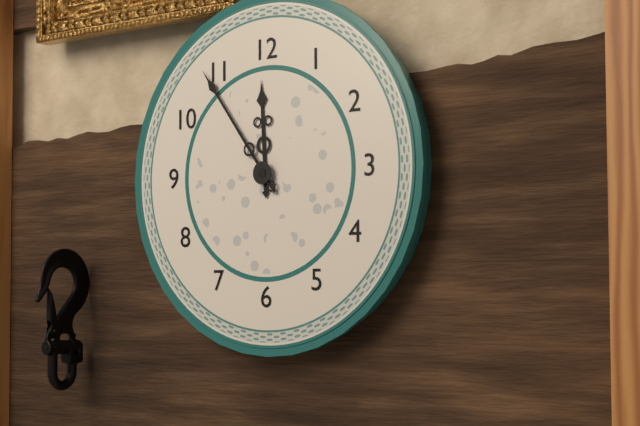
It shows 11:54
